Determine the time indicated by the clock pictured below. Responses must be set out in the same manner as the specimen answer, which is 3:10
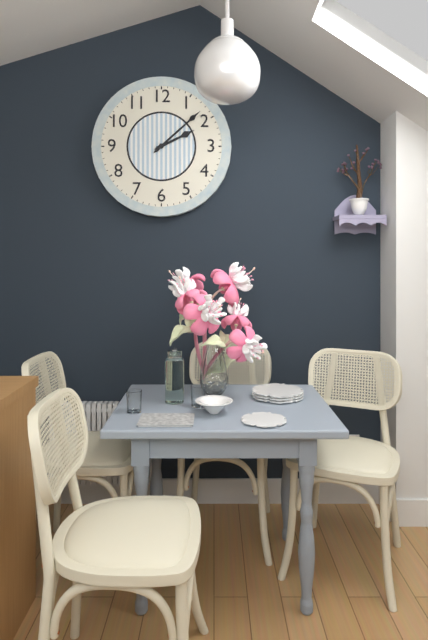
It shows 2:08
